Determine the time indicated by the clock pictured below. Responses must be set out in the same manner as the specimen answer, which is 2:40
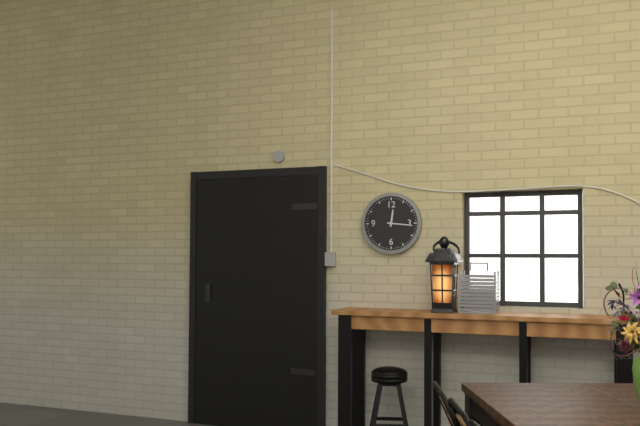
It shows 12:16
